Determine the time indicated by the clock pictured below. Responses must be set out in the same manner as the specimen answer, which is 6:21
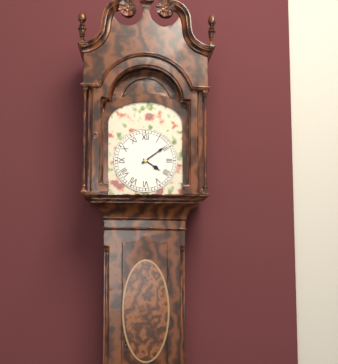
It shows 4:09
